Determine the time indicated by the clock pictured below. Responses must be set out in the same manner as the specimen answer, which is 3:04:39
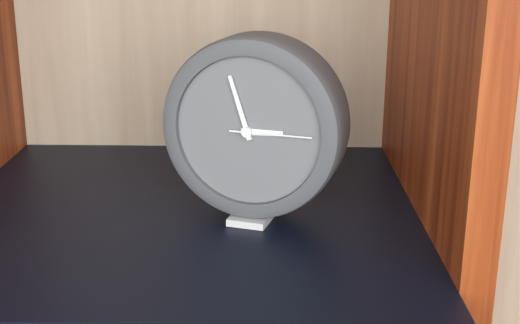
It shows 2:57:15
